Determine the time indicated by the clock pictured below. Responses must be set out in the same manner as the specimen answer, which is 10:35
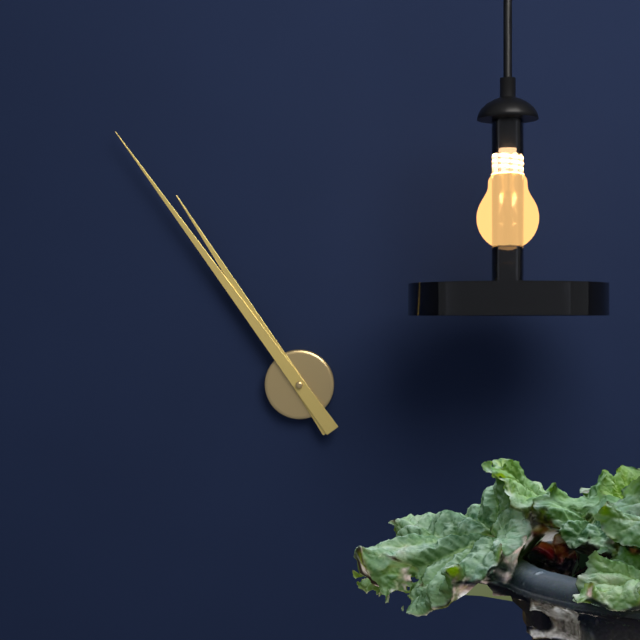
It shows 10:54
